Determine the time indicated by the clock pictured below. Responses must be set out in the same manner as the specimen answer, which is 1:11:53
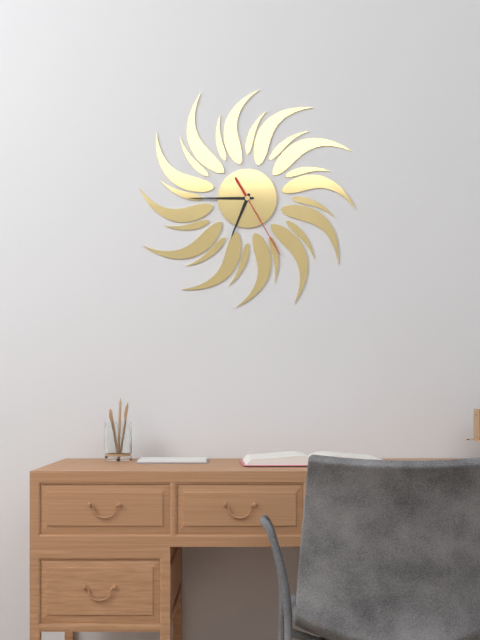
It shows 6:45:25
